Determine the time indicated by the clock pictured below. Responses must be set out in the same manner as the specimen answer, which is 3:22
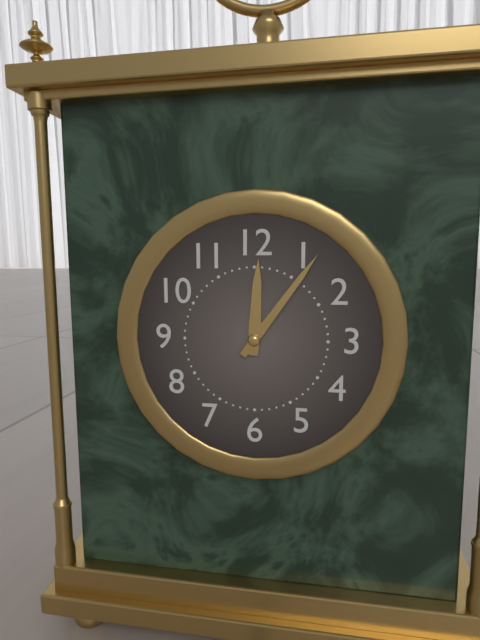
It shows 12:06
